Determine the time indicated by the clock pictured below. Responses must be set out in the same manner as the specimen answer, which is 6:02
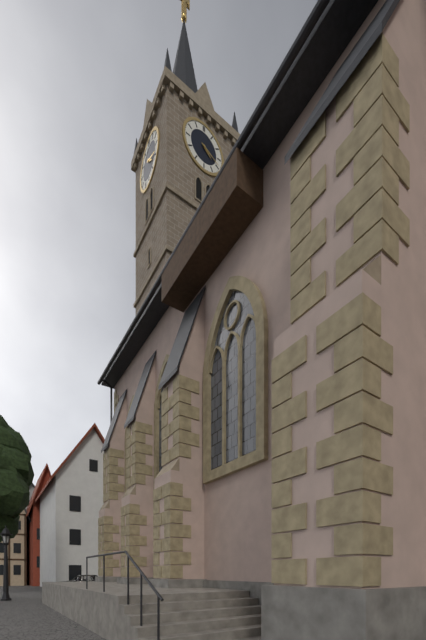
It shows 4:19
